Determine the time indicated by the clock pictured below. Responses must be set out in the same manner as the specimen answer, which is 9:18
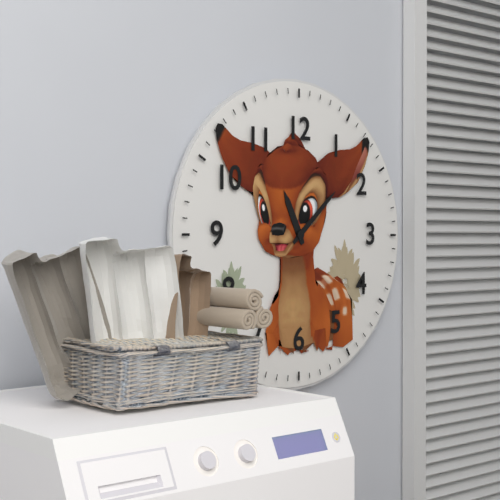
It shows 11:08
